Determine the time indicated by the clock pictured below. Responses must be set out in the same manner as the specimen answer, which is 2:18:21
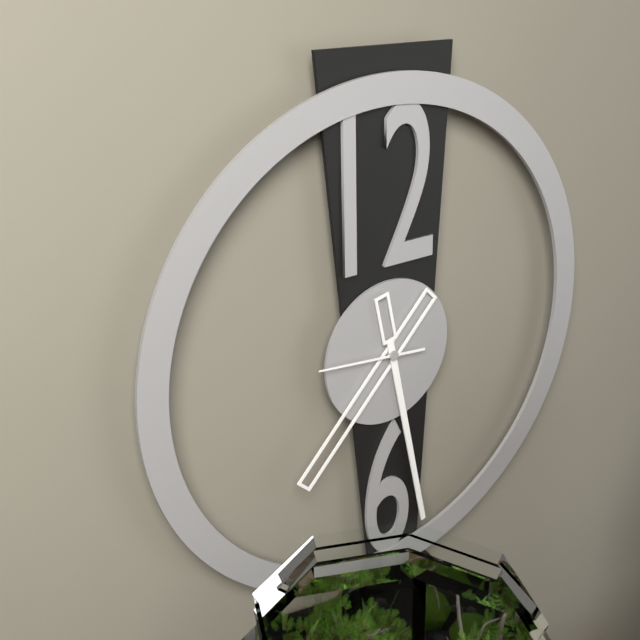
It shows 7:28:46
